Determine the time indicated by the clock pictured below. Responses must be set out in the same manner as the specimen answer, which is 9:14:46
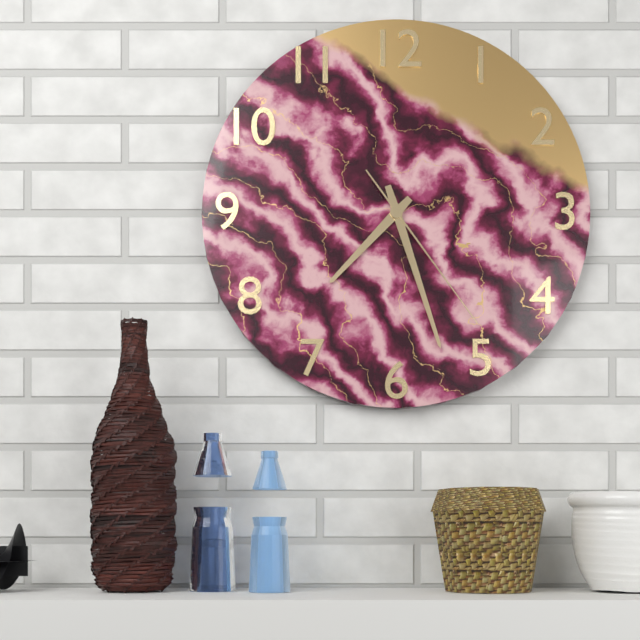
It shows 7:27:24
